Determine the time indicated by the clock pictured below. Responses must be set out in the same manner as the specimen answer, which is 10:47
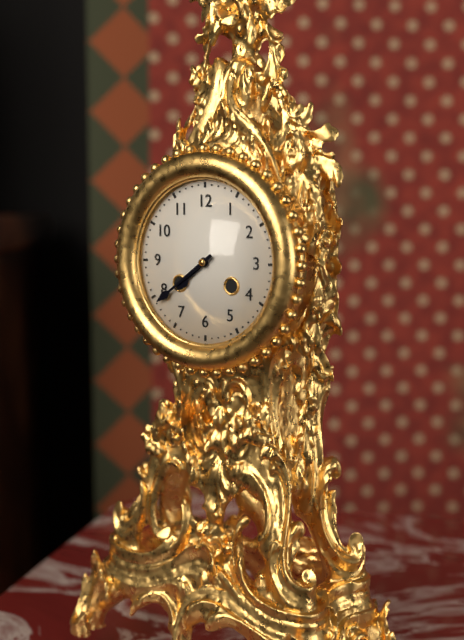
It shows 7:39
